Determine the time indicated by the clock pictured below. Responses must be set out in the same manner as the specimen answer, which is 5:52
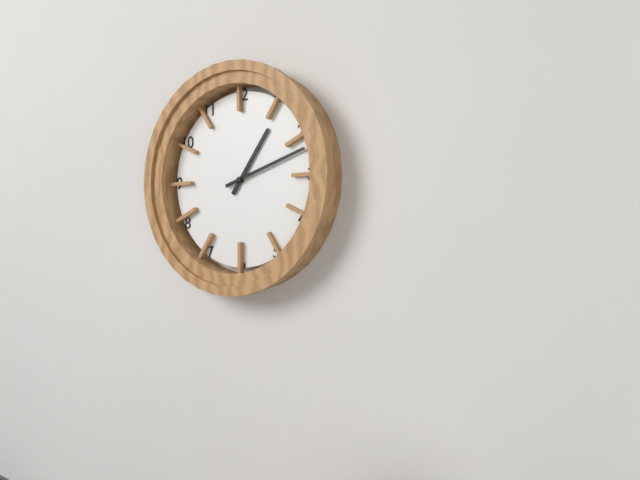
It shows 1:12
